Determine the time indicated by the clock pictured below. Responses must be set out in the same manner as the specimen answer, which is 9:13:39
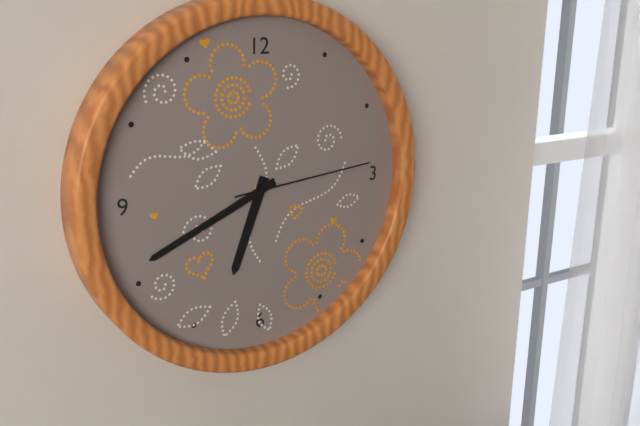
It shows 6:41:14
